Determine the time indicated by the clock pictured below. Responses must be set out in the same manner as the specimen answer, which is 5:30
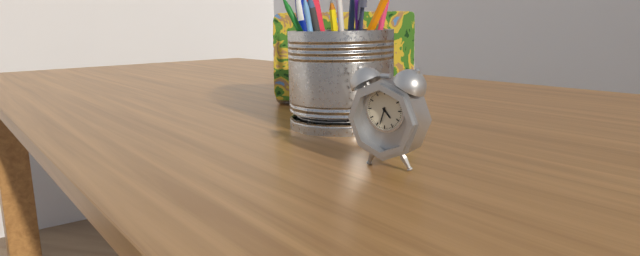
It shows 4:33
